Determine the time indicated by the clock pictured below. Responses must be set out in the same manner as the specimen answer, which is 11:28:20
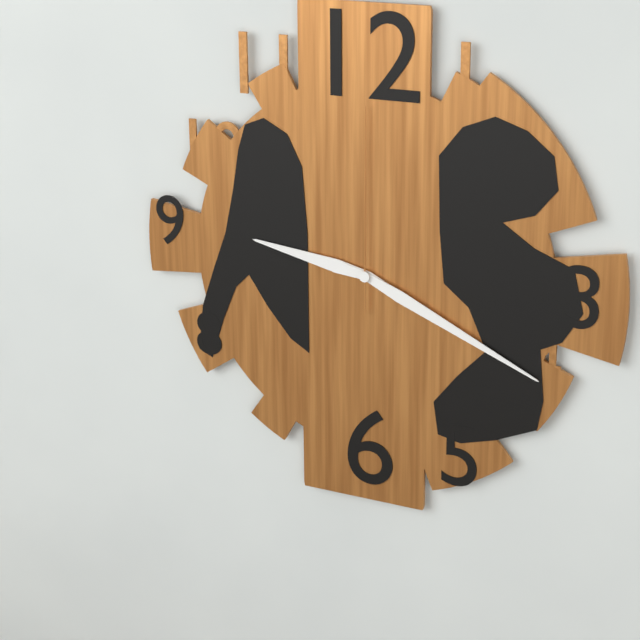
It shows 9:19:00
